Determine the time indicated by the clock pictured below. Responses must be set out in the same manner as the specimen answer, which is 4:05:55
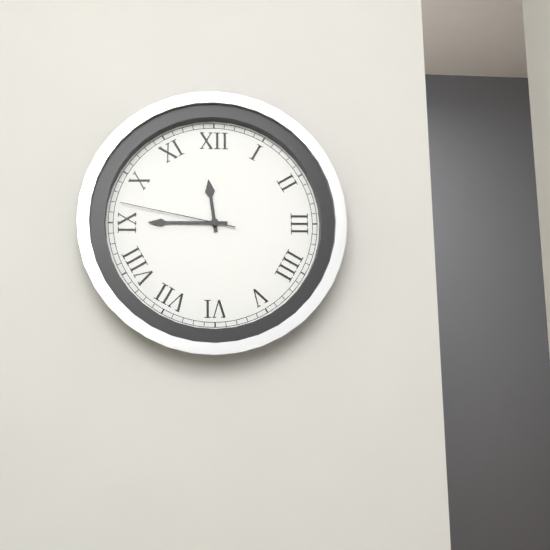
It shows 11:45:47
